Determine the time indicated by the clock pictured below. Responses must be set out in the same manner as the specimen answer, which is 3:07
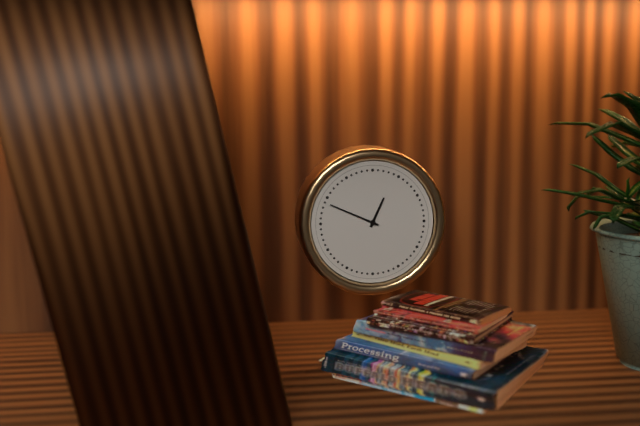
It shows 12:49
